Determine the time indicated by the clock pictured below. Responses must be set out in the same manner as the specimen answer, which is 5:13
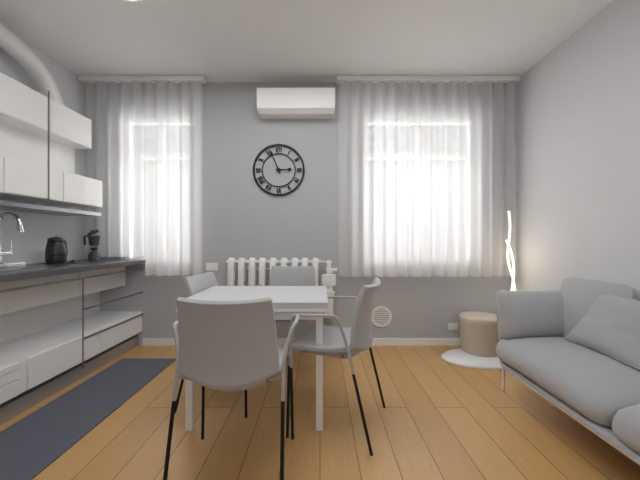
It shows 2:56
